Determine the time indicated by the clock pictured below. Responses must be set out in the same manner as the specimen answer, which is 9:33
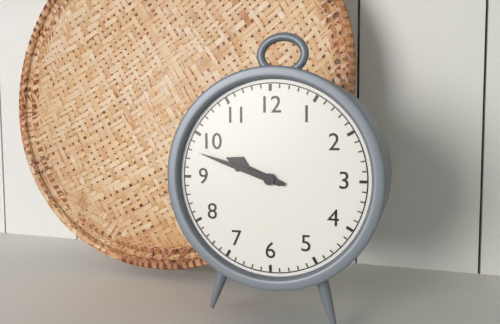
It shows 9:48
